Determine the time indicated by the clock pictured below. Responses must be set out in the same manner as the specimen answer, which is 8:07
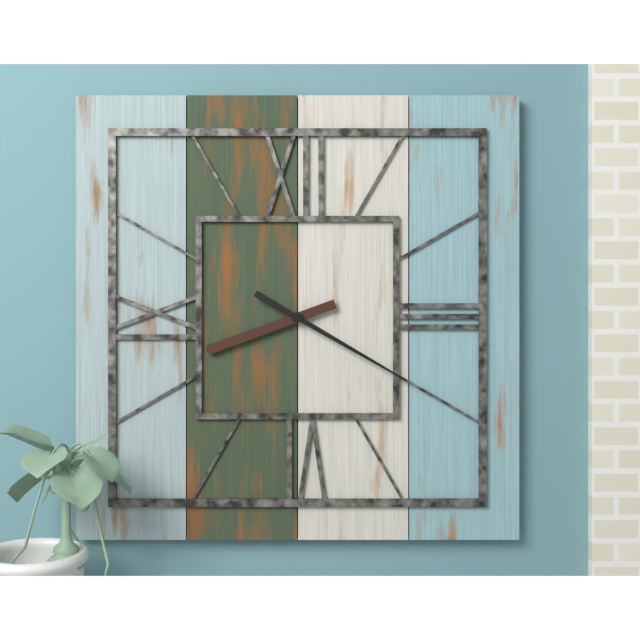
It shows 8:20
